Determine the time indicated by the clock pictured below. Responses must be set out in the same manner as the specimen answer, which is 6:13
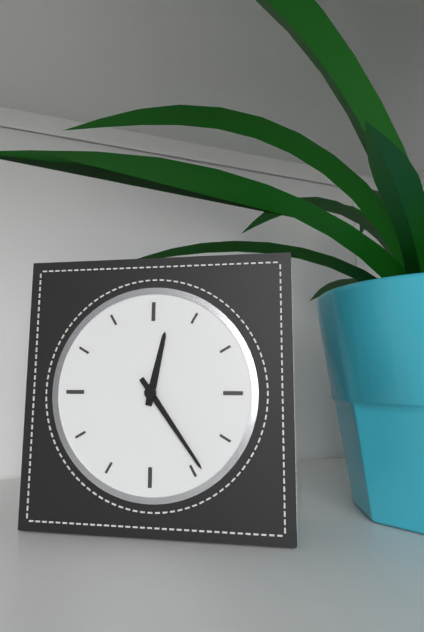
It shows 12:24
